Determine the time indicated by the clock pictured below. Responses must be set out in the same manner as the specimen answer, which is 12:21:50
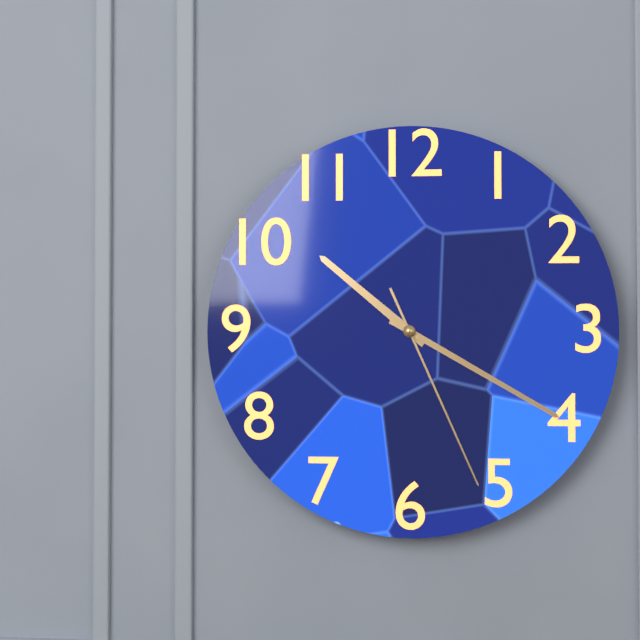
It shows 10:20:26
